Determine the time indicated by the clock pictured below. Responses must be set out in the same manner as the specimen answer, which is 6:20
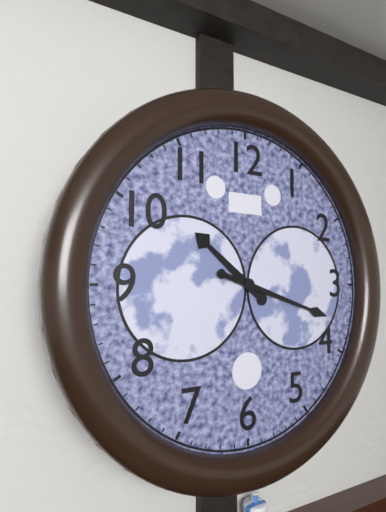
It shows 10:18
